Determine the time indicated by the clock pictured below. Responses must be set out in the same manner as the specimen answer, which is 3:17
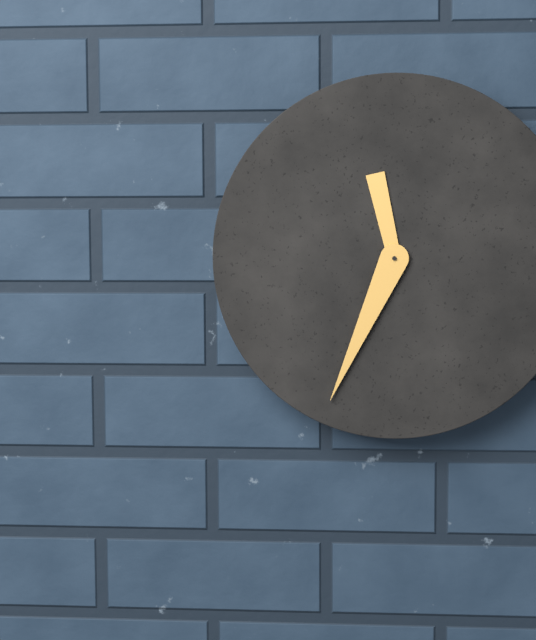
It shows 11:34
